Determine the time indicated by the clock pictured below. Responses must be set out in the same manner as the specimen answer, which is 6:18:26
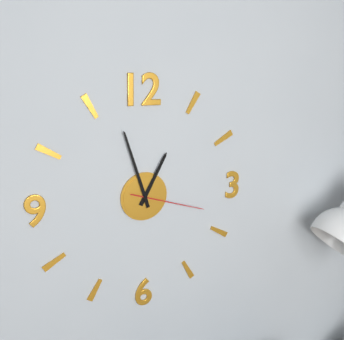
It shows 12:57:18
